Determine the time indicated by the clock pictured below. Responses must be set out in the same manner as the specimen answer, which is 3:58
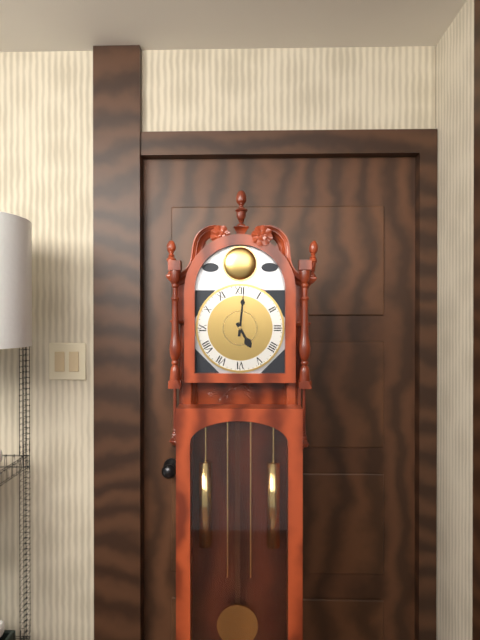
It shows 5:01
